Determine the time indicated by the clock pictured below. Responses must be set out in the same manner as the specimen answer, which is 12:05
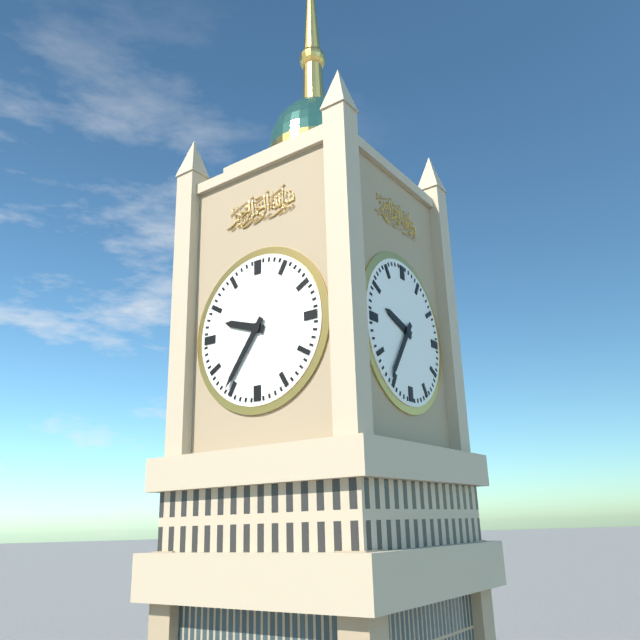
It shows 9:36
